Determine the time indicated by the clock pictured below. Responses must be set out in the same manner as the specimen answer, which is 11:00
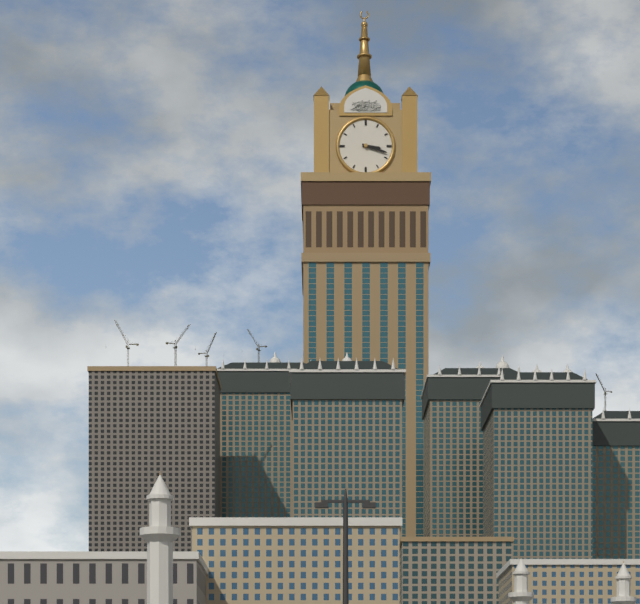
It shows 3:18
